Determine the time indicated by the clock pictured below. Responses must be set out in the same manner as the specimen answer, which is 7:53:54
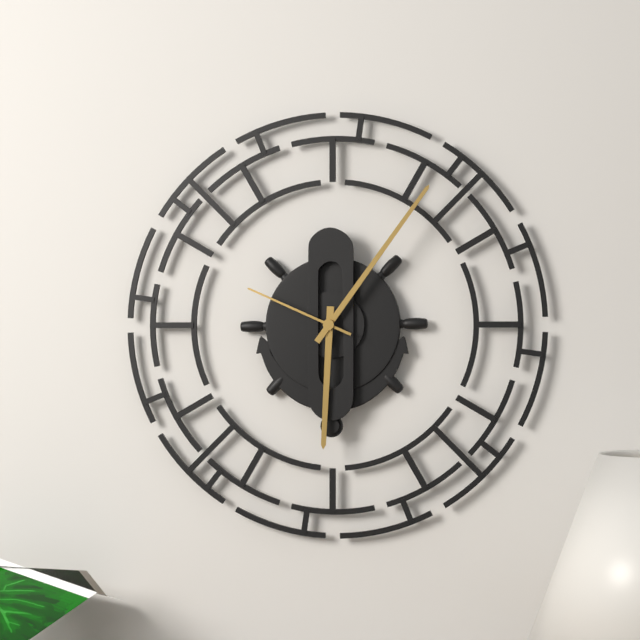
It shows 6:06:49
